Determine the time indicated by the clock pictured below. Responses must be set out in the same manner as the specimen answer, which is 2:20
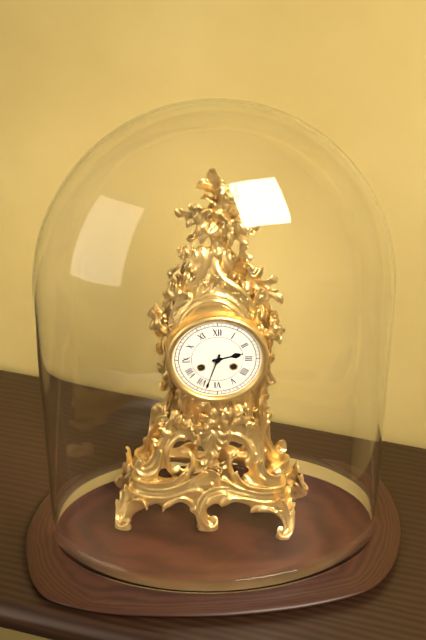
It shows 2:33
